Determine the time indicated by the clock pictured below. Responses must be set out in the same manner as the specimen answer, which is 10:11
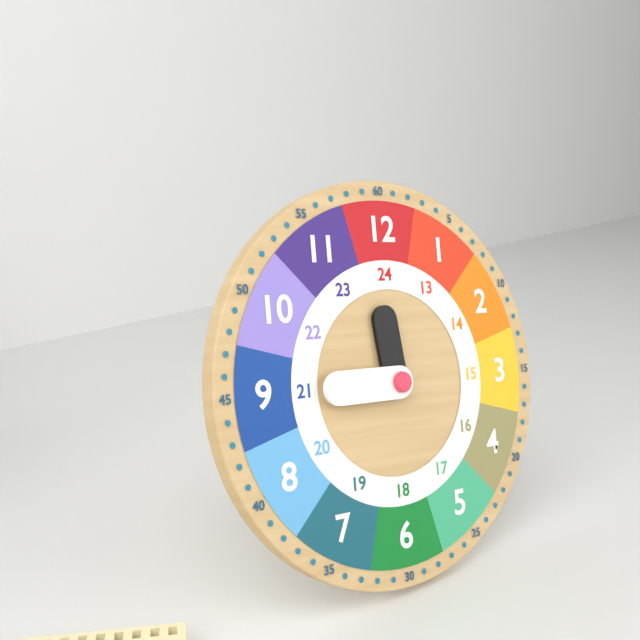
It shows 11:45
